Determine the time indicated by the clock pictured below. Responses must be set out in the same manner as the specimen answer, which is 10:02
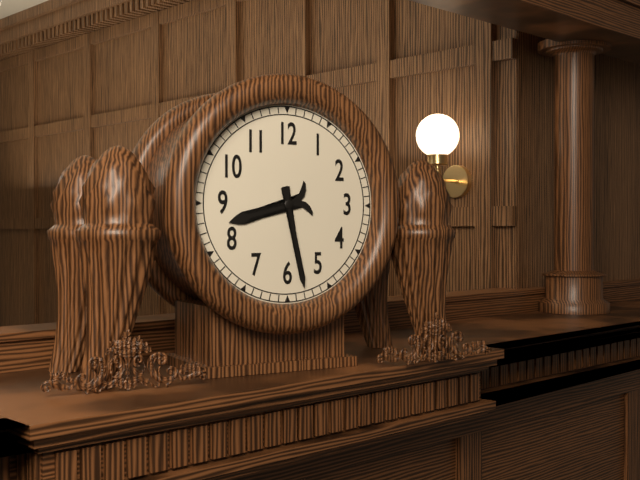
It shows 8:28
